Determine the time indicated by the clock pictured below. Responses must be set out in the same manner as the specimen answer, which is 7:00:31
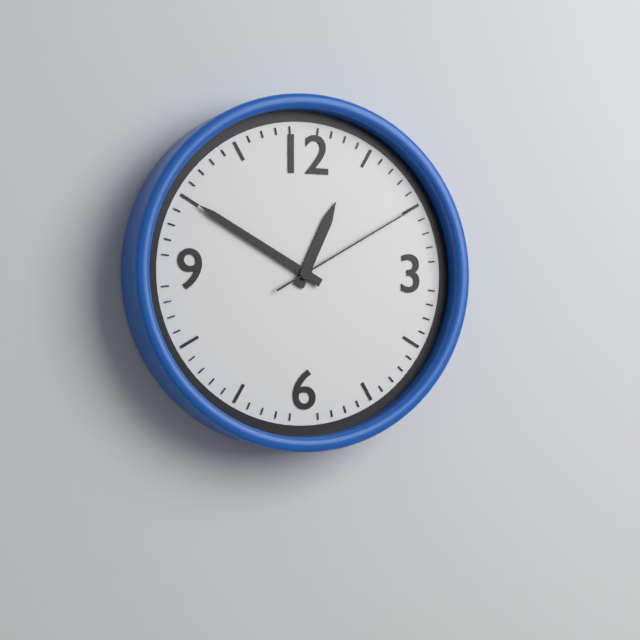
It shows 12:50:10
